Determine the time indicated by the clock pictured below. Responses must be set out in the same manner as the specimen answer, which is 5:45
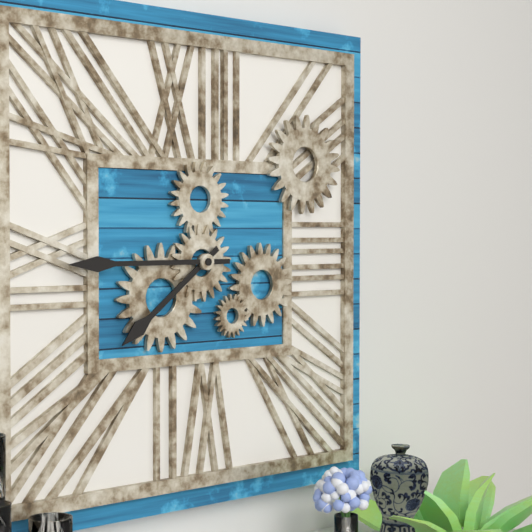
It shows 7:45
